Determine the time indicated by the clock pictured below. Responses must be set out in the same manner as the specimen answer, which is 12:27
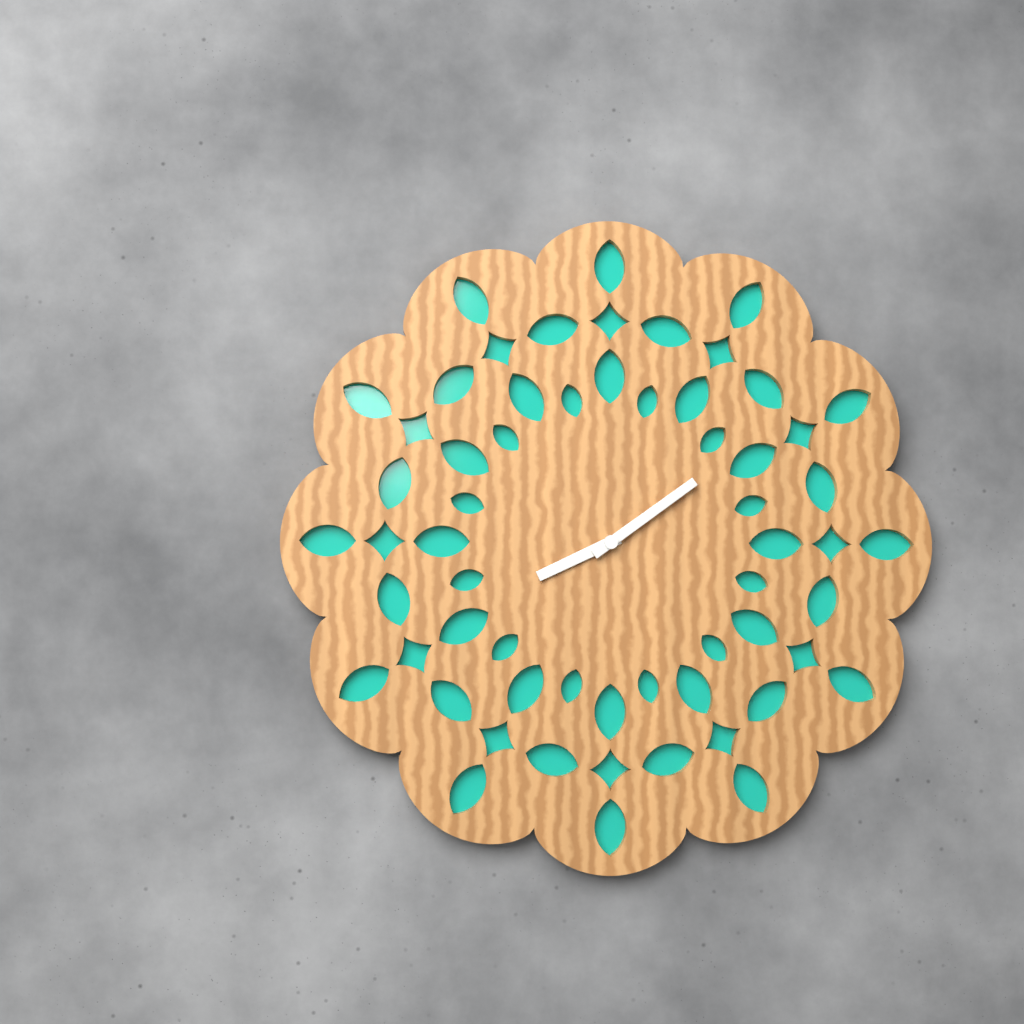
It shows 8:09
